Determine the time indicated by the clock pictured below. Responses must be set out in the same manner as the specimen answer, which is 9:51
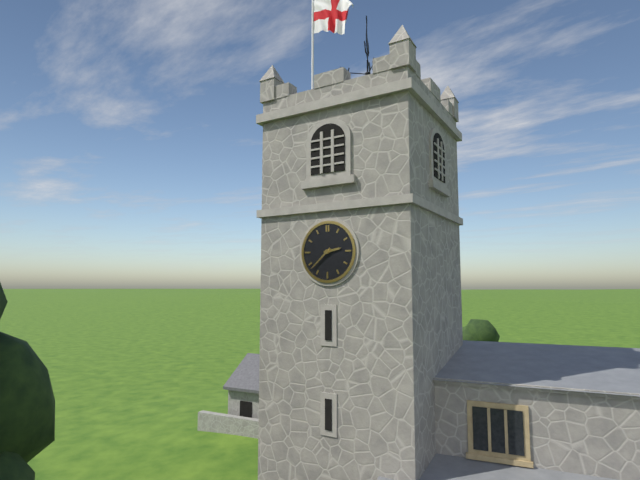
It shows 2:38
